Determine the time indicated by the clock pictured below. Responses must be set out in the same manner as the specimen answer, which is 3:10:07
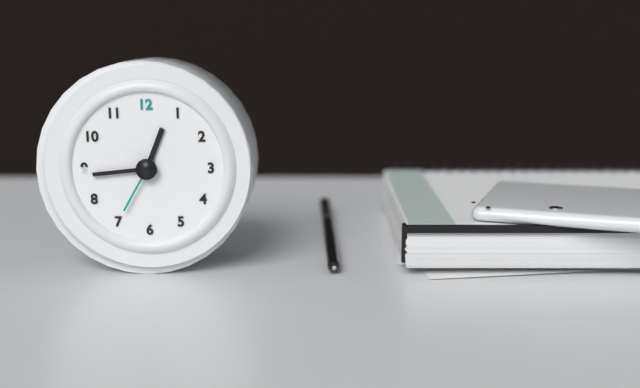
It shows 12:44:35
